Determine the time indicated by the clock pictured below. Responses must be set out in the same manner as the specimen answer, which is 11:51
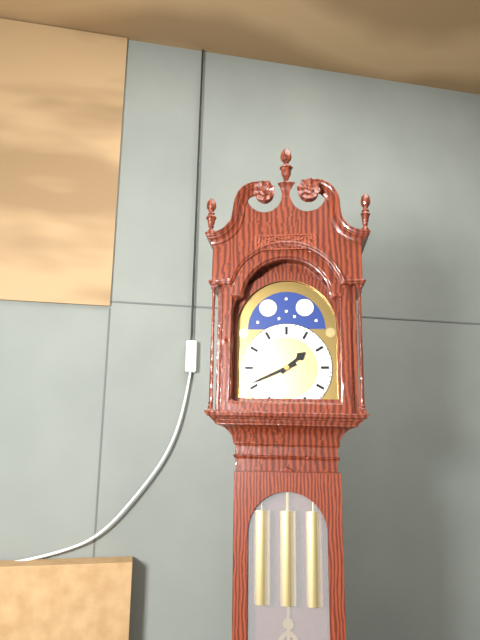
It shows 1:41
